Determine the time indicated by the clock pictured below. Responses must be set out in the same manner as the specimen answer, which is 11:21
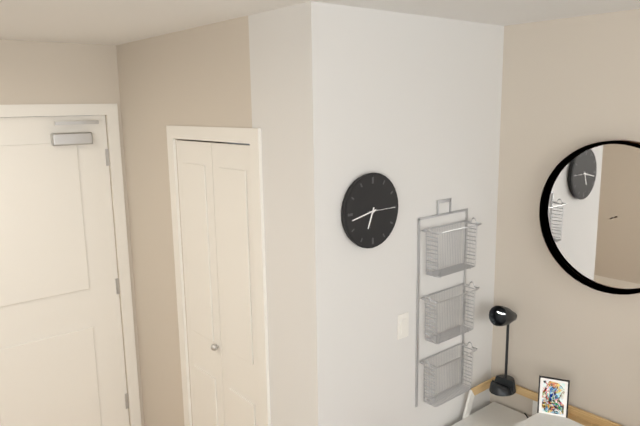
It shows 6:43
